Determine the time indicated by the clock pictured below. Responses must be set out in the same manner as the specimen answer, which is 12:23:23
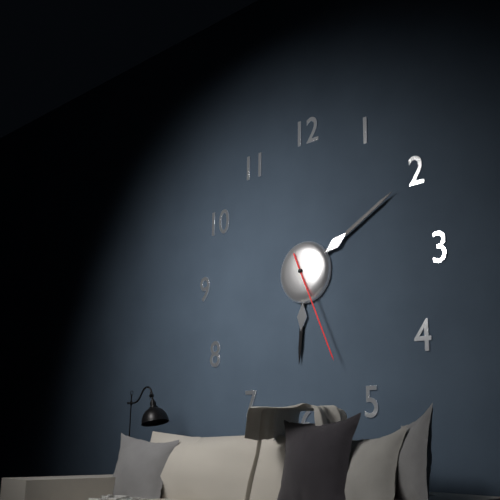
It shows 6:10:26
